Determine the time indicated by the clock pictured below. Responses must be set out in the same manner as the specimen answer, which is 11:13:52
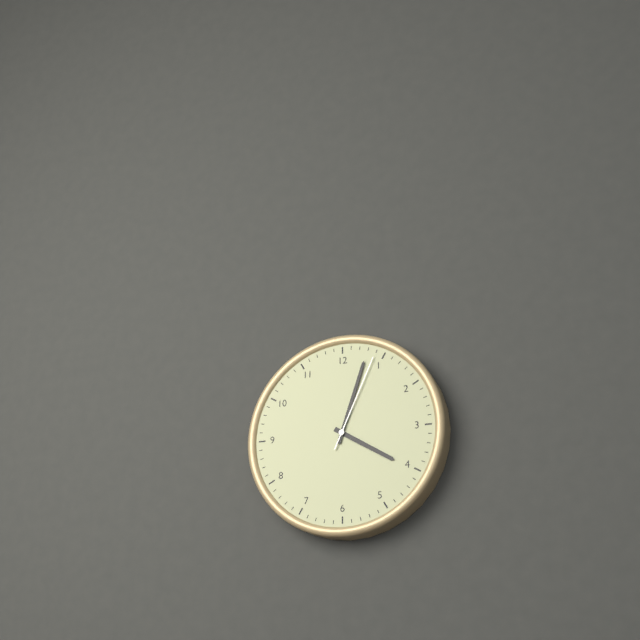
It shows 4:03:04
